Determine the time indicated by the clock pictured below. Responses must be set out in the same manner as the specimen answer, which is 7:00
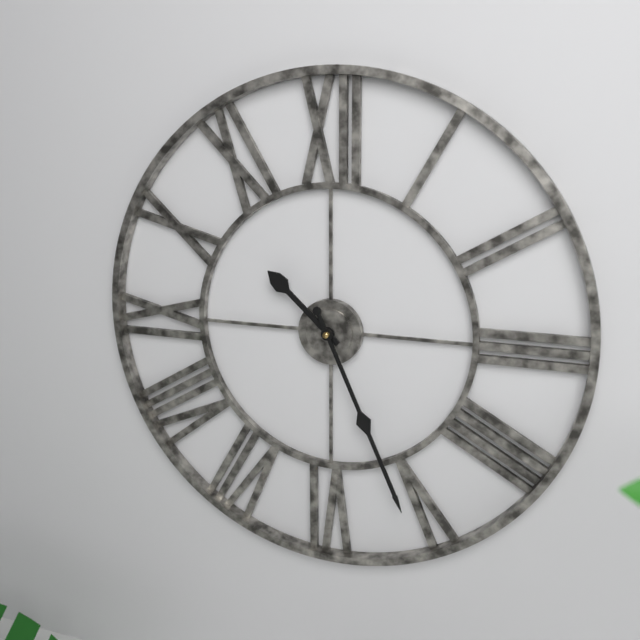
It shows 10:26
